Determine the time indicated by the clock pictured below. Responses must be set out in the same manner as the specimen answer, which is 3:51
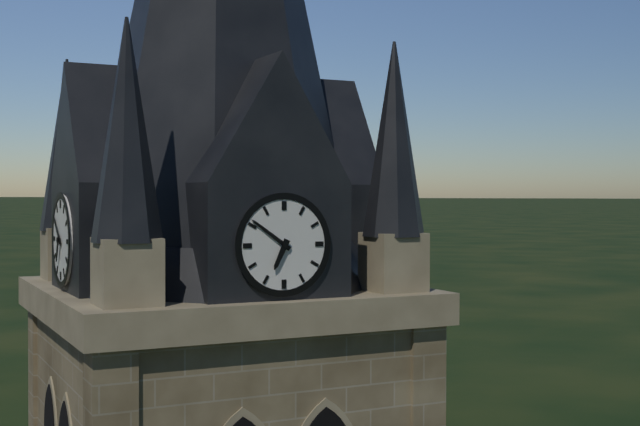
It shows 6:51
